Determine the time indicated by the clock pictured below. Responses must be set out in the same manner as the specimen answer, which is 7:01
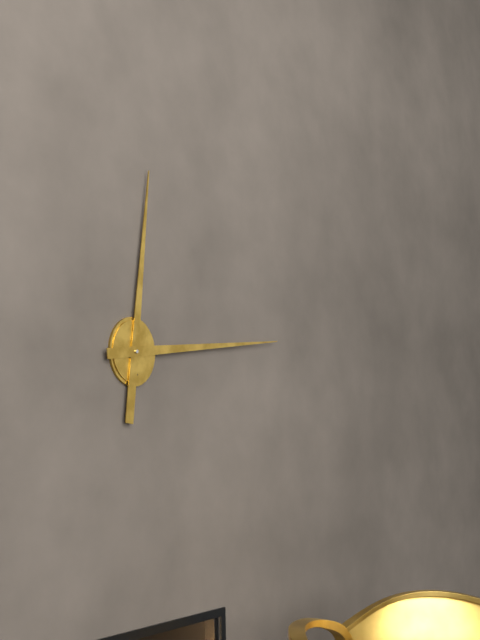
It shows 12:14
